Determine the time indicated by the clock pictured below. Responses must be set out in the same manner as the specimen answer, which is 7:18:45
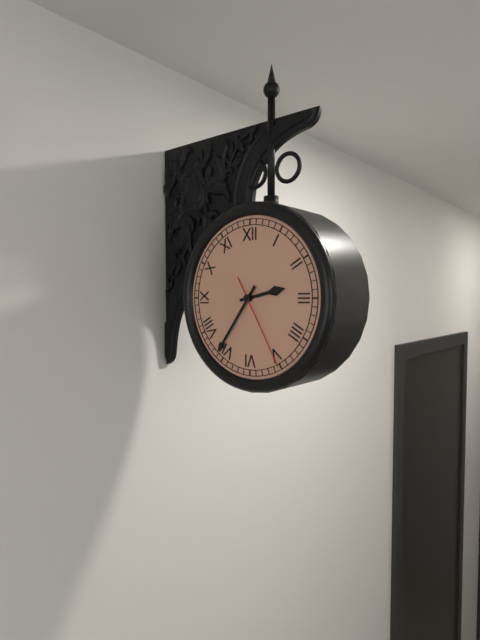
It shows 2:36:25
